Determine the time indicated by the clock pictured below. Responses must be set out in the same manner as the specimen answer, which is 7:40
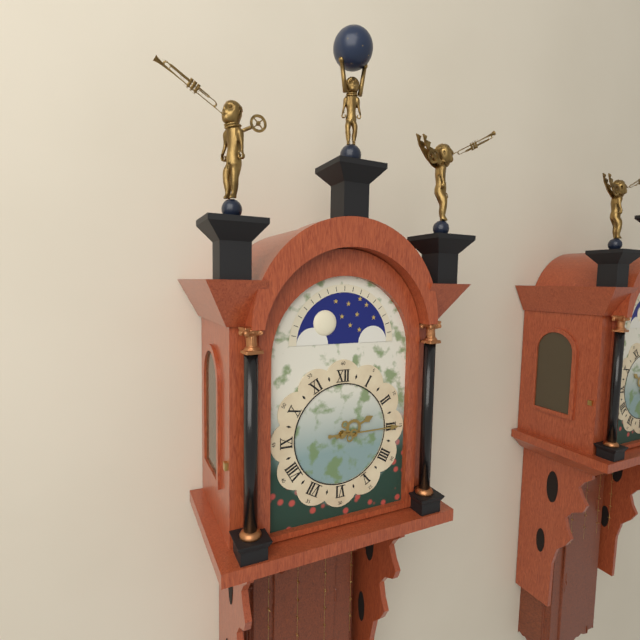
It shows 2:15
